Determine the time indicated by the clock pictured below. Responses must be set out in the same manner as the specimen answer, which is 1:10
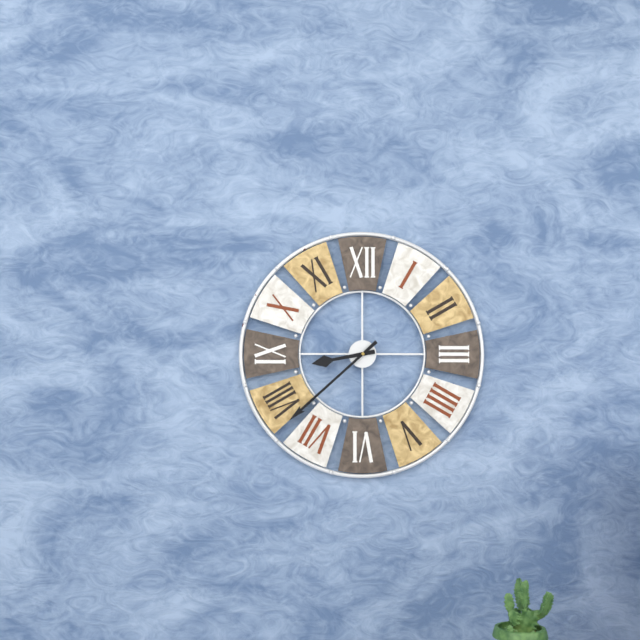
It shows 8:38
